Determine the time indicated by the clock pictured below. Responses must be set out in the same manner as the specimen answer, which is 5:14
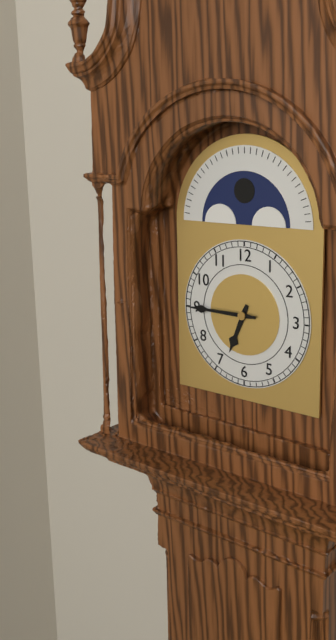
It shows 6:45
